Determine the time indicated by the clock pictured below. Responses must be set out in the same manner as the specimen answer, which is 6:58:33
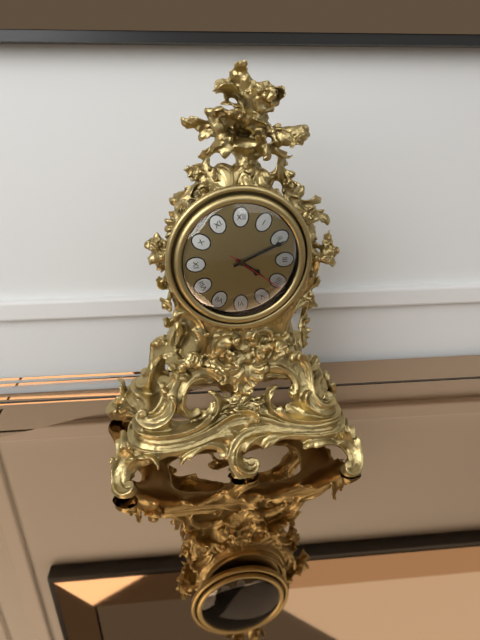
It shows 4:11:21
